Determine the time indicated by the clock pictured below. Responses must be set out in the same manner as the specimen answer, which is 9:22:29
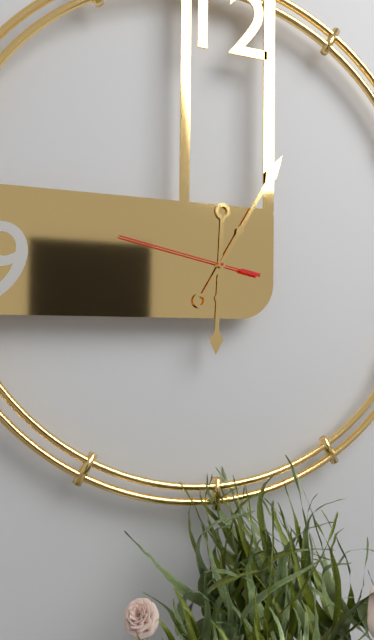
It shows 6:05:47
